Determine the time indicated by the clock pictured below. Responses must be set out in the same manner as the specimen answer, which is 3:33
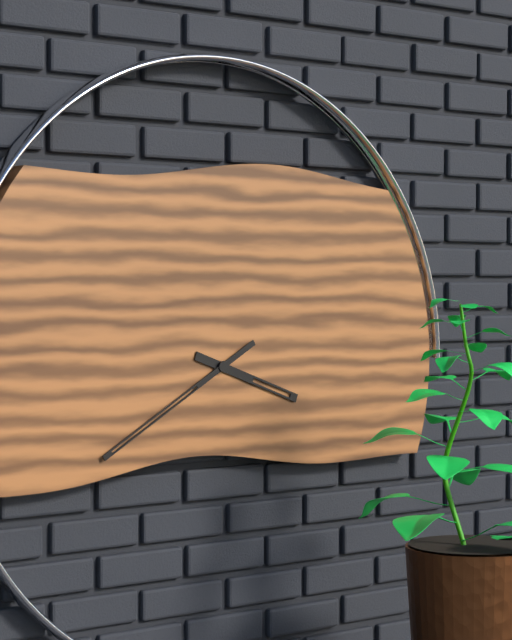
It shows 3:40
